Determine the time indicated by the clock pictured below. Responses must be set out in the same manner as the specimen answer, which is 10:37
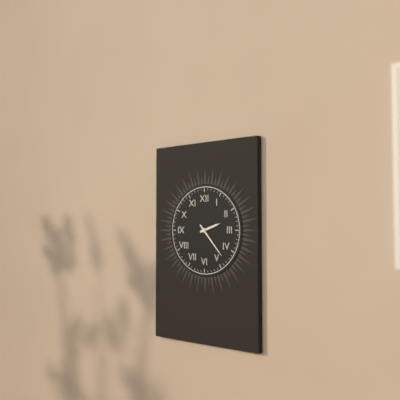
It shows 2:23
